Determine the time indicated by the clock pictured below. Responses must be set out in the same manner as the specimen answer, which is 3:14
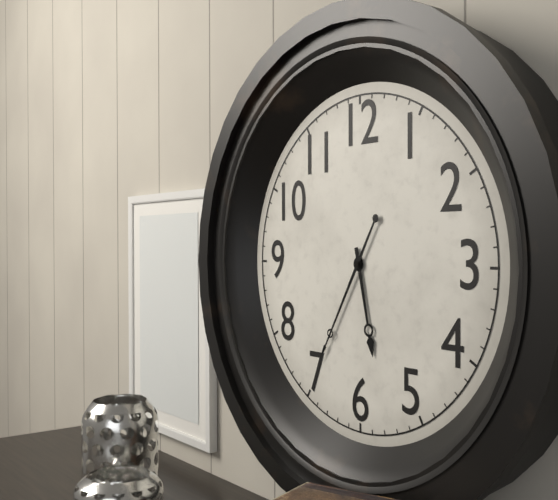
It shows 5:35
